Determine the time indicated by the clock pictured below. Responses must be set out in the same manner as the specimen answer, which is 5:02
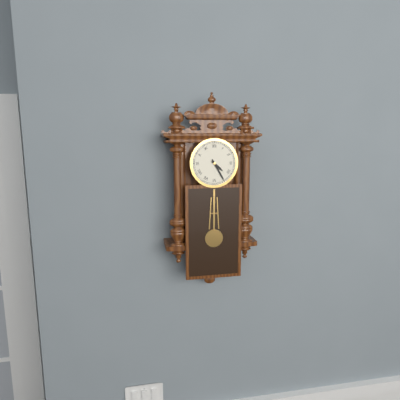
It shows 4:25
